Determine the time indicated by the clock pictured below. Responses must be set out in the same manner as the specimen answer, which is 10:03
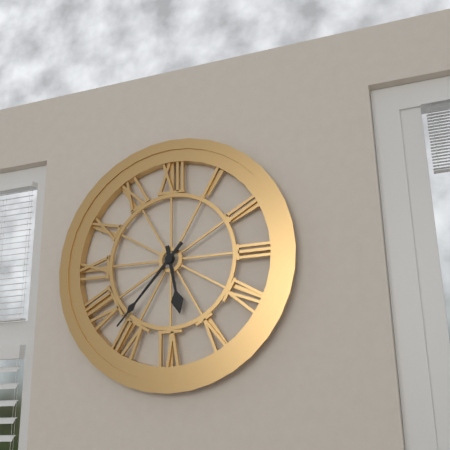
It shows 5:37
